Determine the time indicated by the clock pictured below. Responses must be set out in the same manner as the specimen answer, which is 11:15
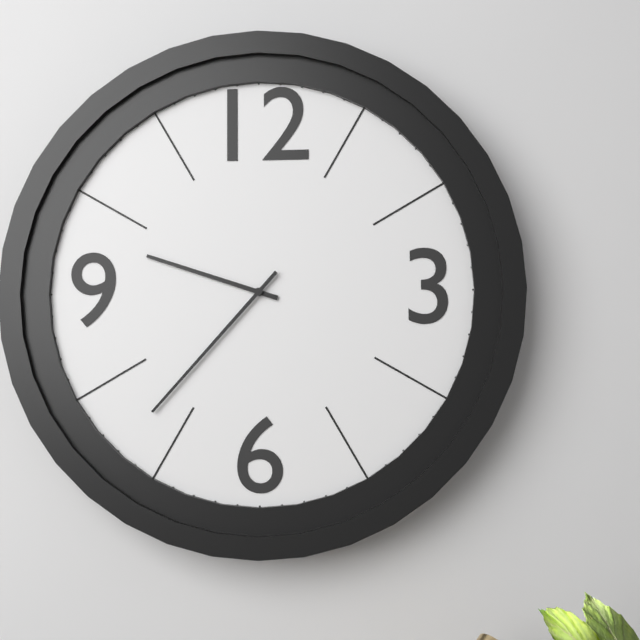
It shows 9:37
